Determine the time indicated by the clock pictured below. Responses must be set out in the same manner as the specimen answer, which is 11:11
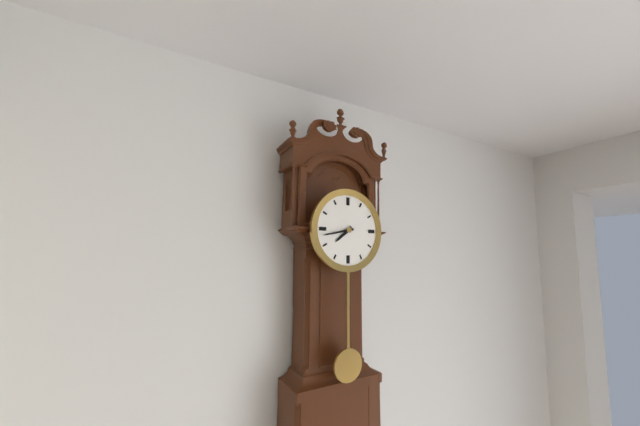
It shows 7:43
